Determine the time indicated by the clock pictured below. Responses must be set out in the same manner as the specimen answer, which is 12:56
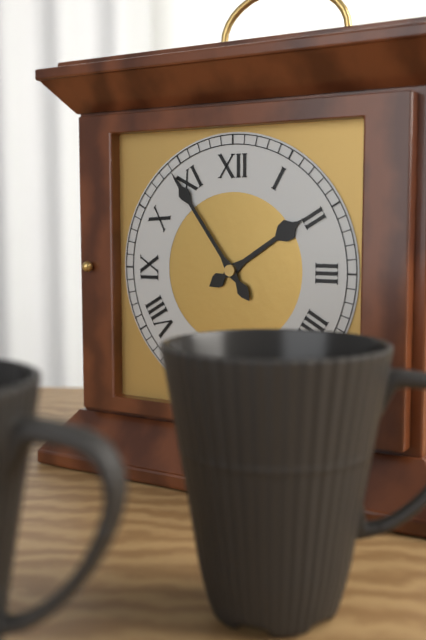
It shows 1:54
